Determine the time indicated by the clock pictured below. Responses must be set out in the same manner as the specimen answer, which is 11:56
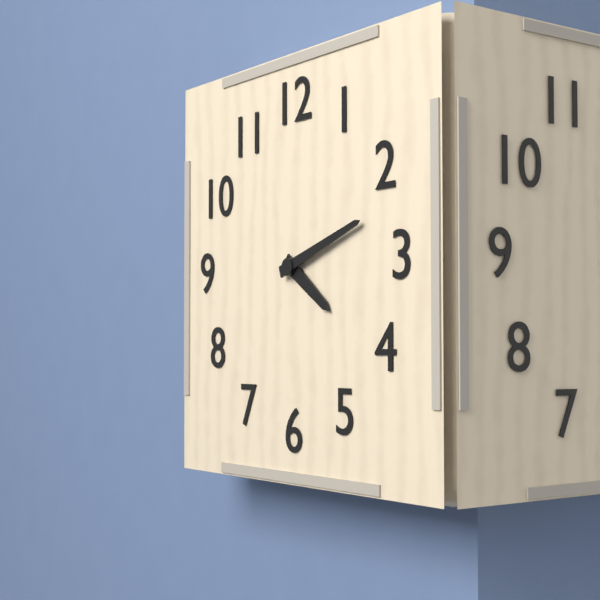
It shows 4:12
